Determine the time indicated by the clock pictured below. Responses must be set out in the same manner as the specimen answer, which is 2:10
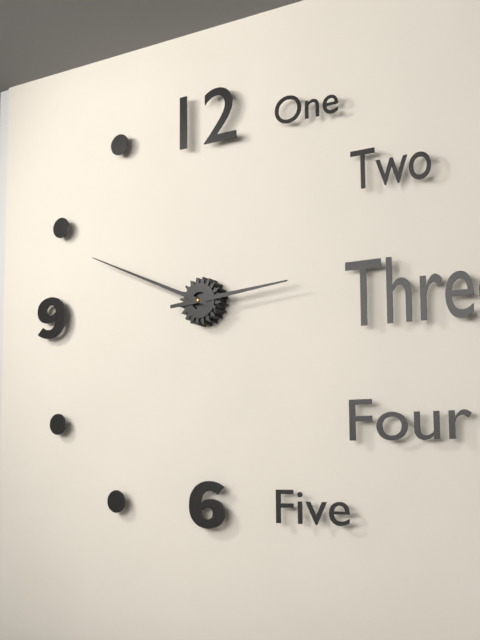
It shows 2:49
